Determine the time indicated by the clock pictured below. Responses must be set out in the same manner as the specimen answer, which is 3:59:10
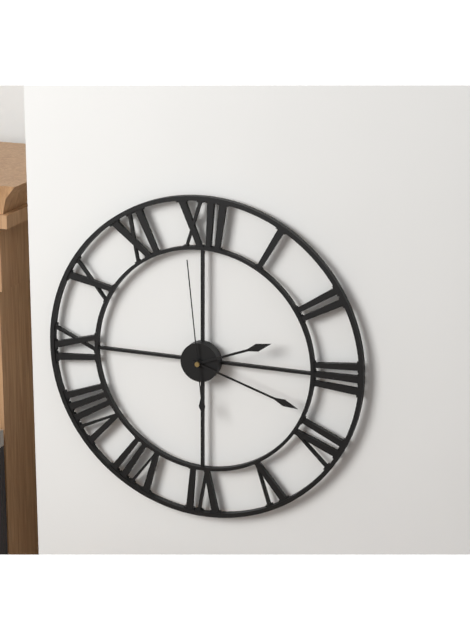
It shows 2:18:59
